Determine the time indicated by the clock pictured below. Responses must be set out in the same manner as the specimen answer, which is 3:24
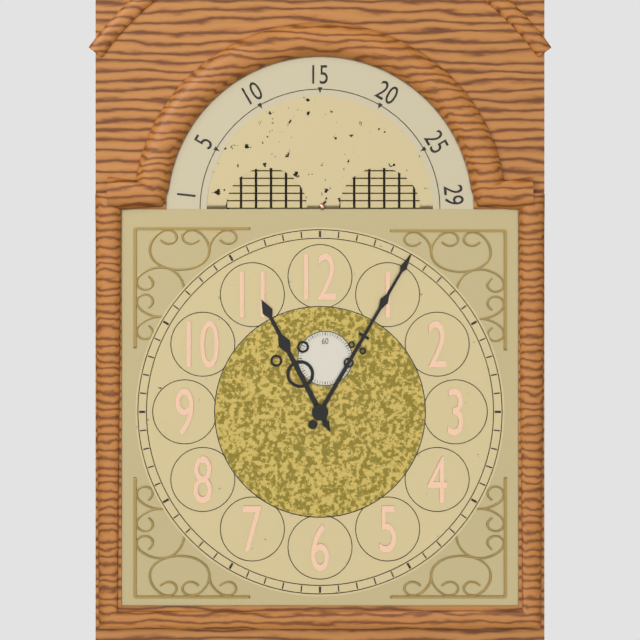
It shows 11:05
